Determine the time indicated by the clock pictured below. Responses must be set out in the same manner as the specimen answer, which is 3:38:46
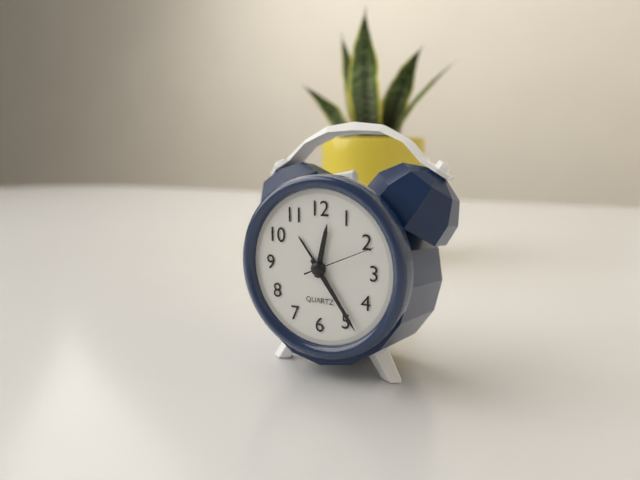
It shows 12:24:11
